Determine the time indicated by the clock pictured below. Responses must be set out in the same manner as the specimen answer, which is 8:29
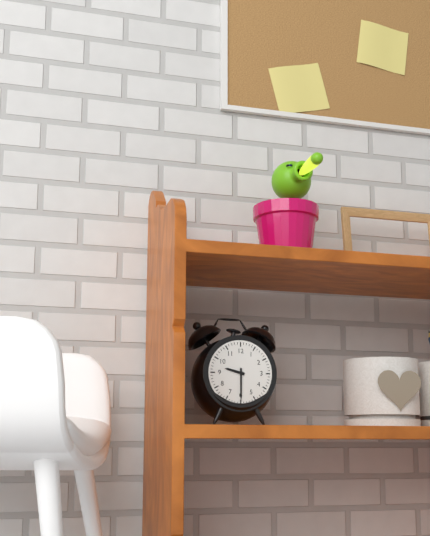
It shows 9:30
